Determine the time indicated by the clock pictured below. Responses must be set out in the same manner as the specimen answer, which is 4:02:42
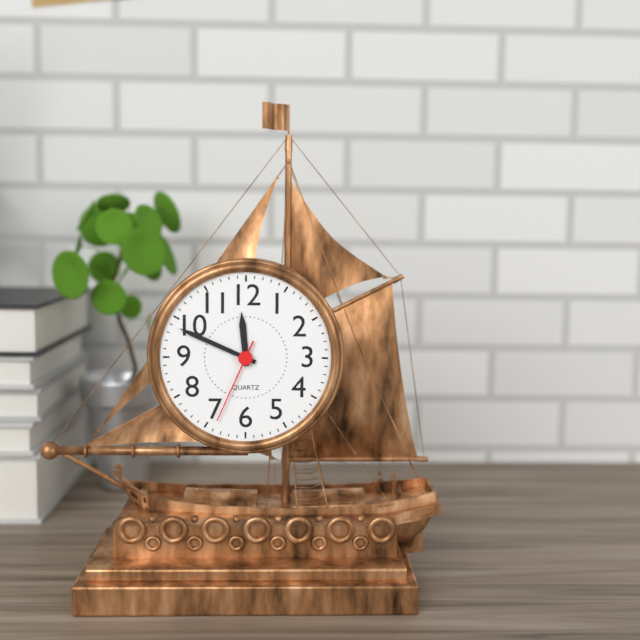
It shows 11:49:34
